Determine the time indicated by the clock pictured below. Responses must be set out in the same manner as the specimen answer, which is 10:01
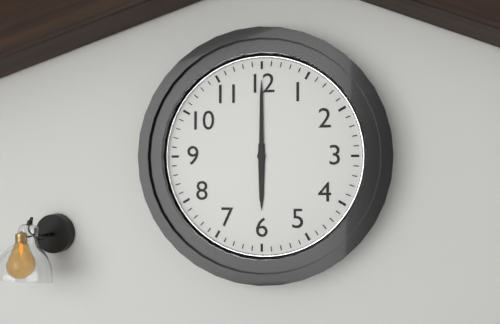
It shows 6:00
